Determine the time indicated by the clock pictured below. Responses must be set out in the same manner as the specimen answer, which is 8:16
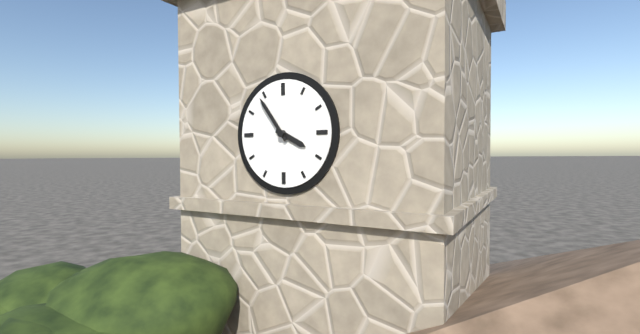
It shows 3:54
